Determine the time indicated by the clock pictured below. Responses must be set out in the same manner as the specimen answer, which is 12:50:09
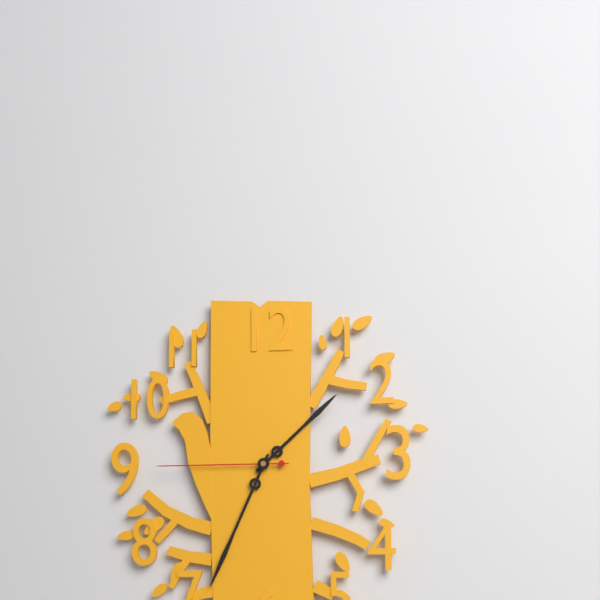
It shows 1:34:45
